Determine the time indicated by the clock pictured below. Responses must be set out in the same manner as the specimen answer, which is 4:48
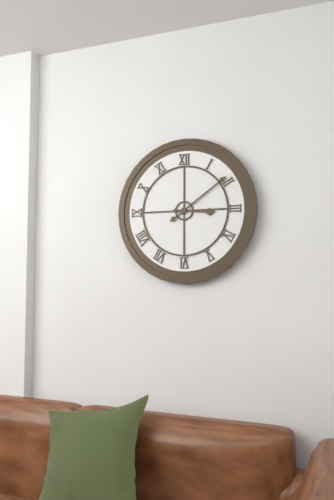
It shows 3:09
